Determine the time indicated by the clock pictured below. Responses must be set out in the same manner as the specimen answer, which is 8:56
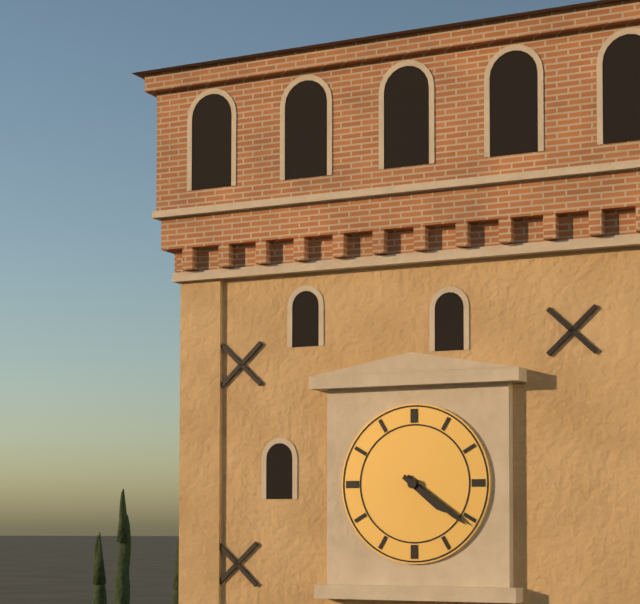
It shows 4:21
